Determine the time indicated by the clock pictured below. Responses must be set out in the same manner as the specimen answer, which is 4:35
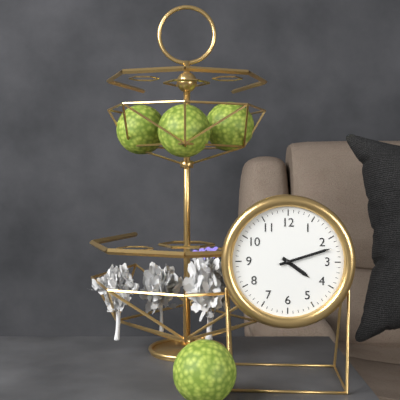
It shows 4:12
